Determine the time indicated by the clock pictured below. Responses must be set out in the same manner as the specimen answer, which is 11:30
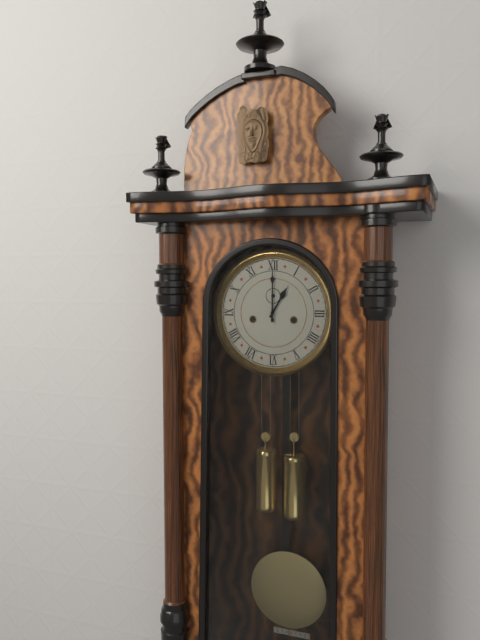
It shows 1:00
